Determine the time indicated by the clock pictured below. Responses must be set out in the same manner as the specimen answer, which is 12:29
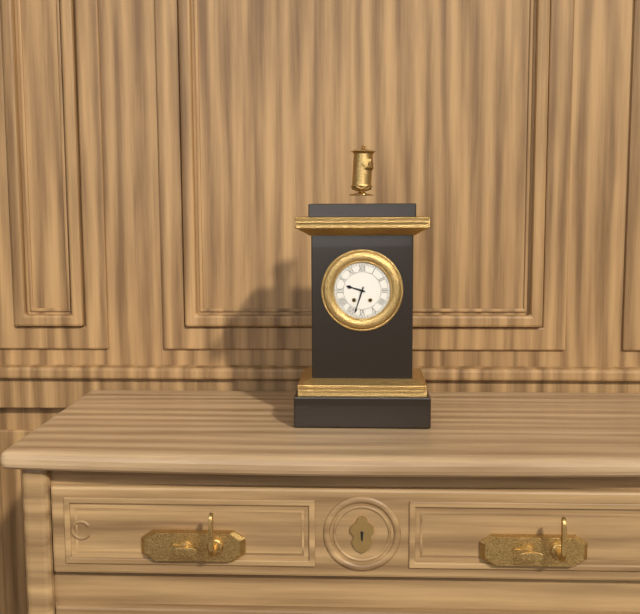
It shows 9:33
